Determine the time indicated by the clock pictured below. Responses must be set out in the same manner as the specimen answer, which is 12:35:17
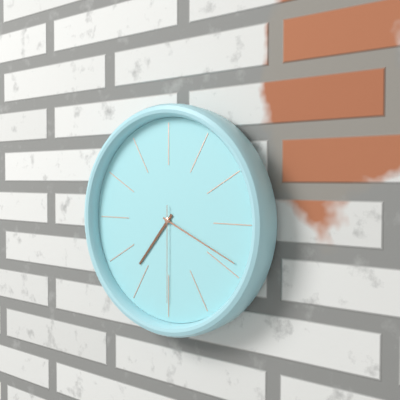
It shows 7:19:30
